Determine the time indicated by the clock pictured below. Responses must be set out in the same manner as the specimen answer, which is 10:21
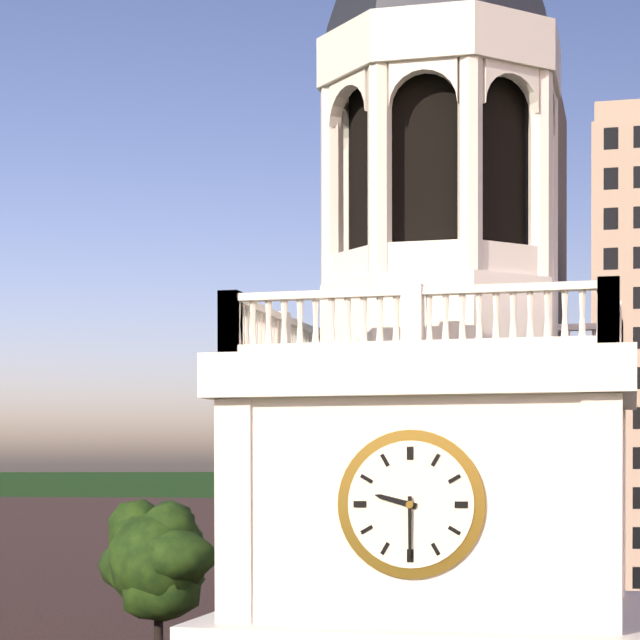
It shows 9:30
